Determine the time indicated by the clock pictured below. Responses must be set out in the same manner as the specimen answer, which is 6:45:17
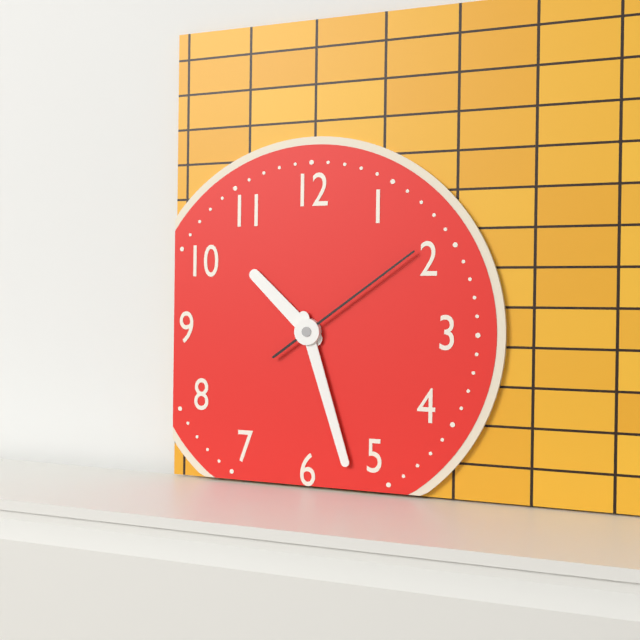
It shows 10:27:09
